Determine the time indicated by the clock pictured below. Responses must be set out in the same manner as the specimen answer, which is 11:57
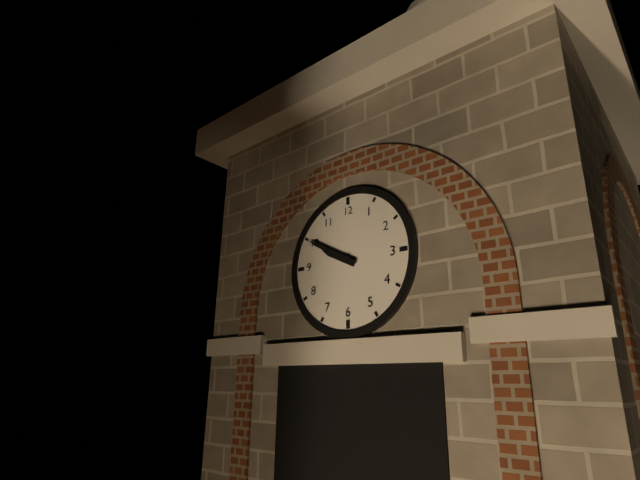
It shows 9:50
